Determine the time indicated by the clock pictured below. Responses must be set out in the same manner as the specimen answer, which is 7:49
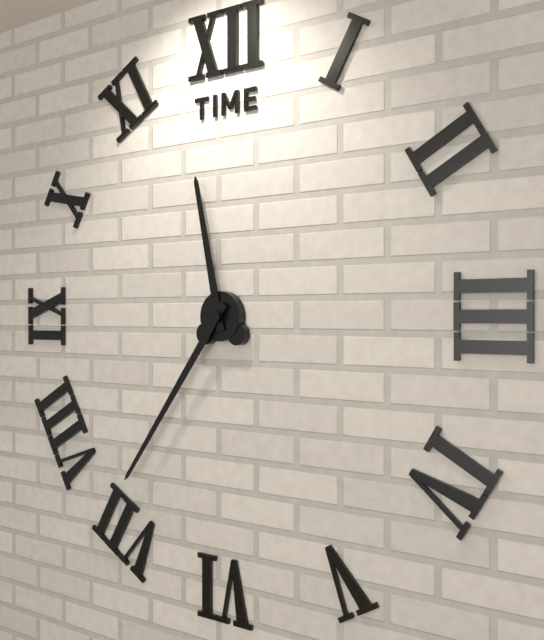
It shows 11:36
